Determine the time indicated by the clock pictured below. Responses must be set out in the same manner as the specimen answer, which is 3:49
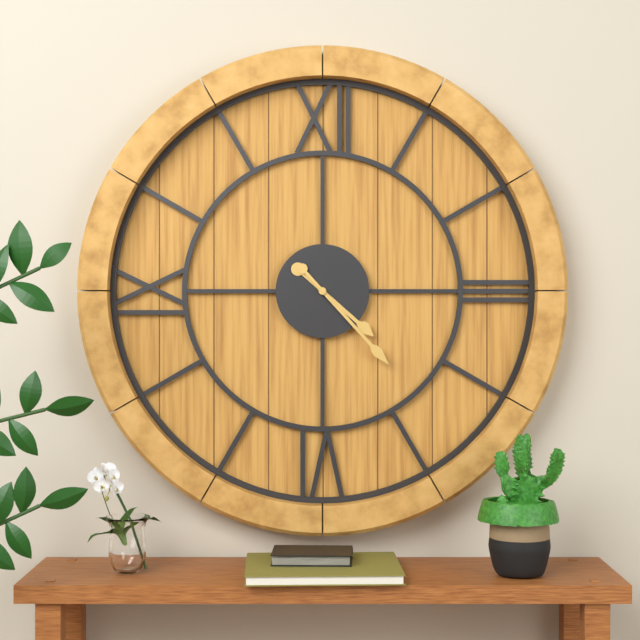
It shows 4:23
